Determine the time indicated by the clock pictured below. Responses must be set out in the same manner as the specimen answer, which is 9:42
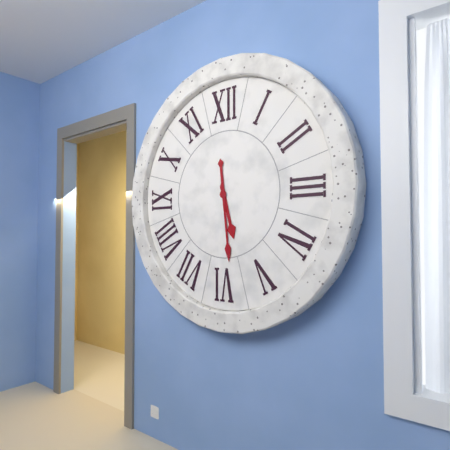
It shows 5:29
